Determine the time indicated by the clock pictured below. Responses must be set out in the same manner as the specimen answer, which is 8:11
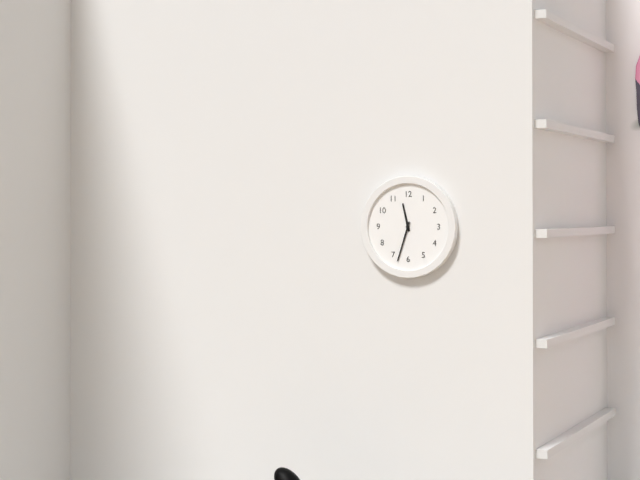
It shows 11:33
